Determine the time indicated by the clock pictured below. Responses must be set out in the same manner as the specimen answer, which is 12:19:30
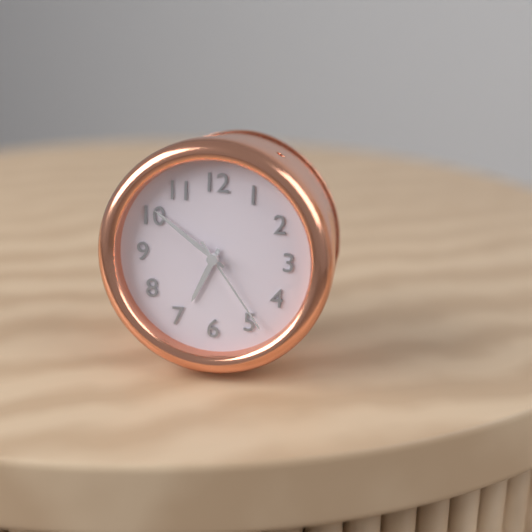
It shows 6:51:24
